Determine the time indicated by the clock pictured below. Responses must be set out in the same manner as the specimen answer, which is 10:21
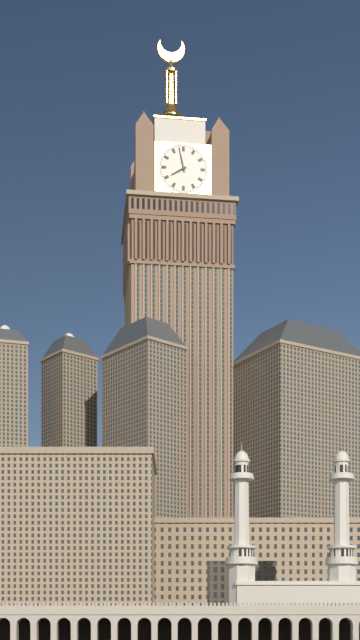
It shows 7:58
